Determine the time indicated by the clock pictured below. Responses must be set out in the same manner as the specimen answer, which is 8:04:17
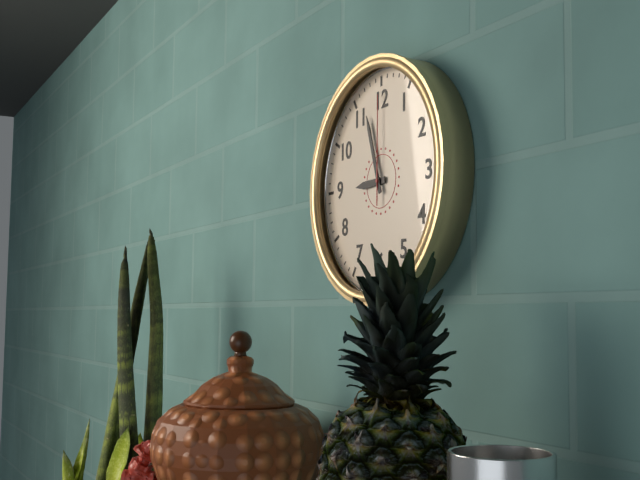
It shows 8:57:00
